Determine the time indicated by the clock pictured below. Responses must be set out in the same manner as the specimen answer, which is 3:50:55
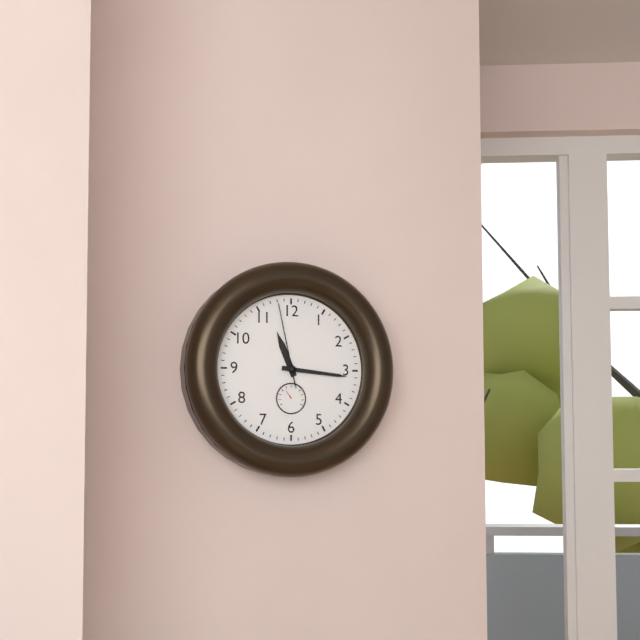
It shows 11:16:58
